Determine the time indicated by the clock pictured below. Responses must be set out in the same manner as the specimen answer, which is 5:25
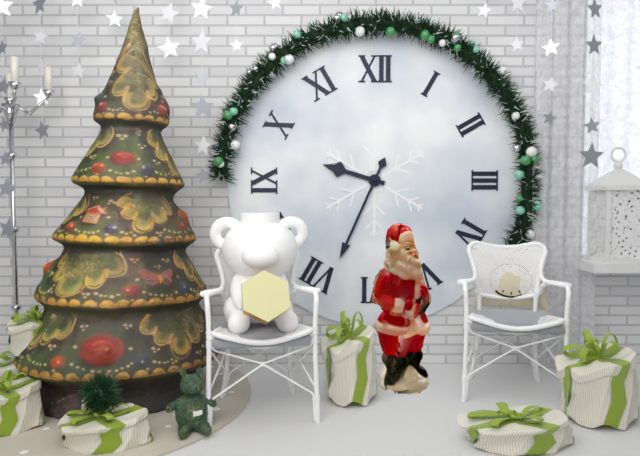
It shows 9:34
